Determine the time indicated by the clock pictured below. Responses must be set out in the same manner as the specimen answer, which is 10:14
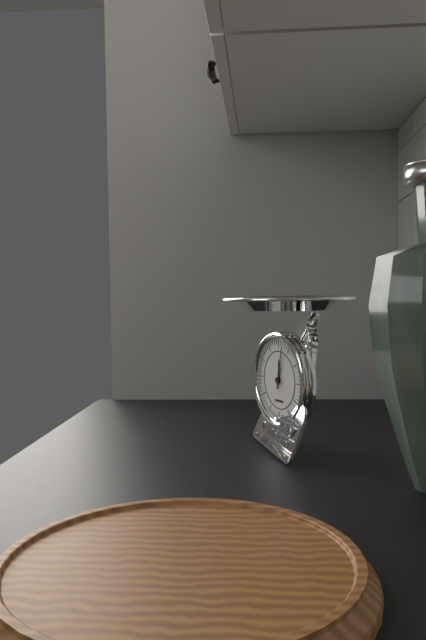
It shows 12:02
